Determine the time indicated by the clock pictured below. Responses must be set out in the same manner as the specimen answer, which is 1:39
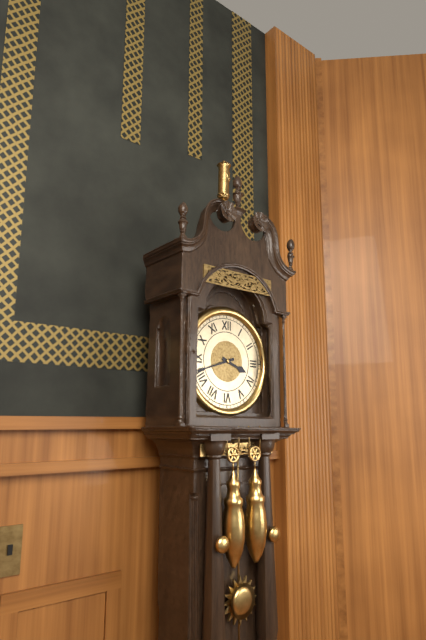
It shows 3:42
